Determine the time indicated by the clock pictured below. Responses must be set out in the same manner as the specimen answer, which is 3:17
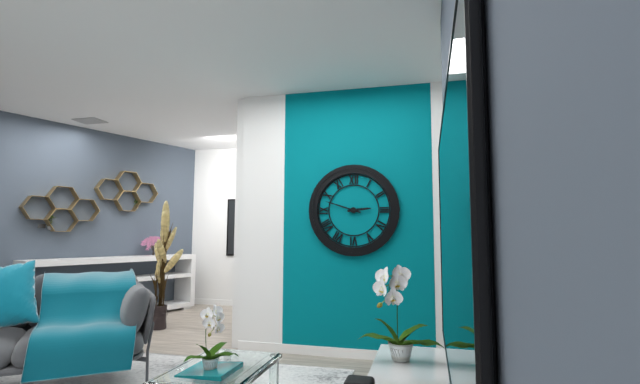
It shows 2:48
